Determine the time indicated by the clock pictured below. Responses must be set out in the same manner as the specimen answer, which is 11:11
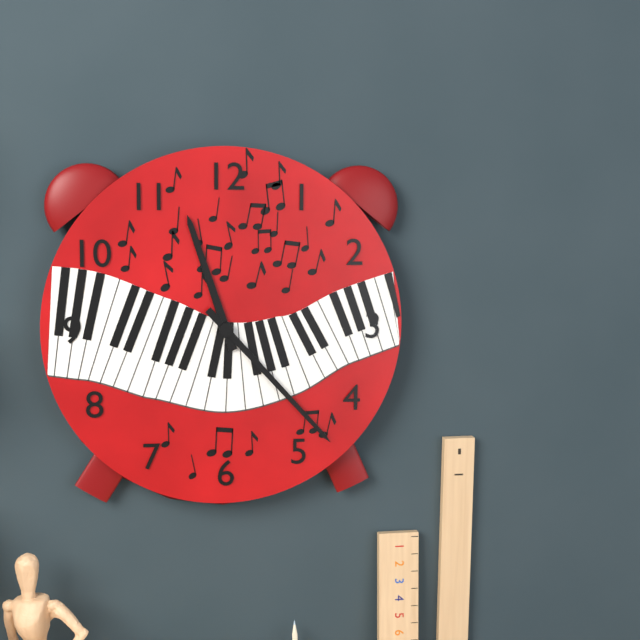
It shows 11:23
